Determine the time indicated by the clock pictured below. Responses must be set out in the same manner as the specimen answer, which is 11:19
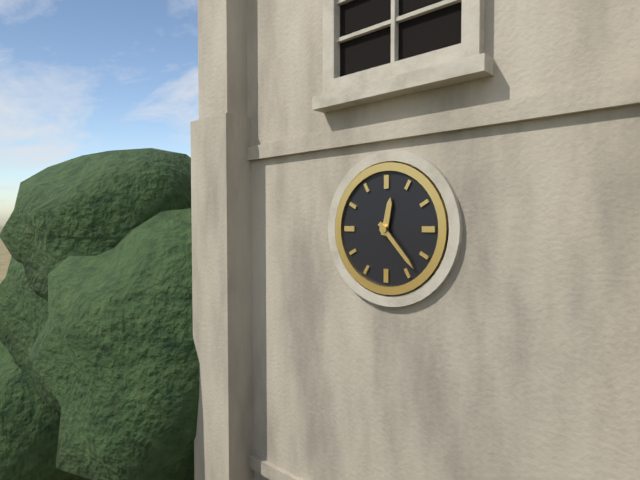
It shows 12:23
